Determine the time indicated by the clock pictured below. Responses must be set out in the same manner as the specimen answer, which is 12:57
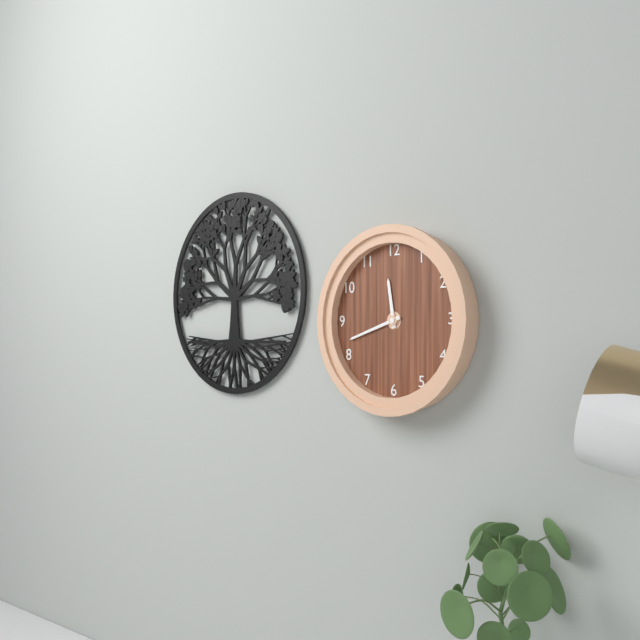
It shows 11:42
